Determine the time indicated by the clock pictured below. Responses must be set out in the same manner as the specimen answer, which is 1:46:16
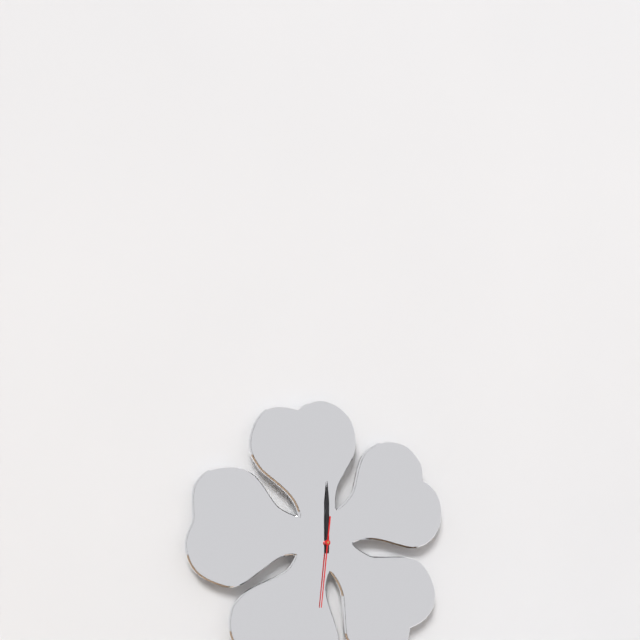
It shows 12:00:31
